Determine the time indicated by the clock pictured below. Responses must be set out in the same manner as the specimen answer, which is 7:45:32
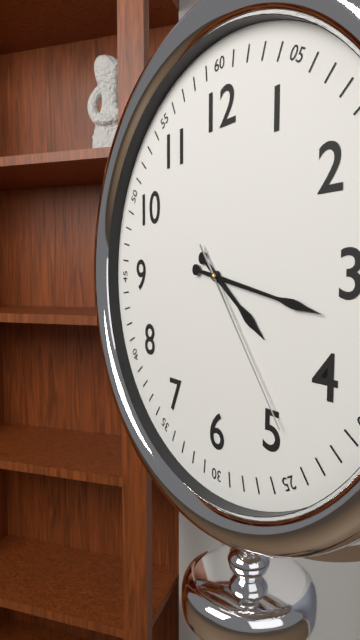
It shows 4:17:24
